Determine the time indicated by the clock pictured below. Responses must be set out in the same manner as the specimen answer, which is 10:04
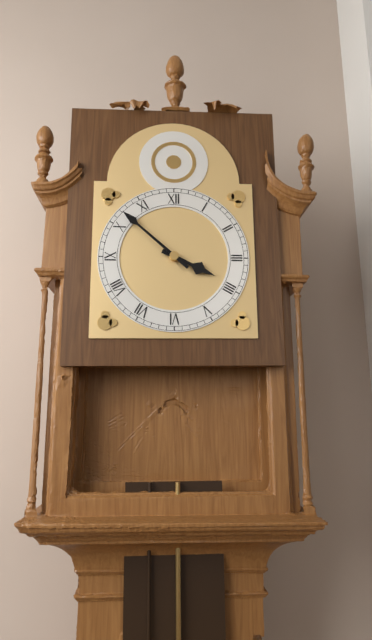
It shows 3:52
